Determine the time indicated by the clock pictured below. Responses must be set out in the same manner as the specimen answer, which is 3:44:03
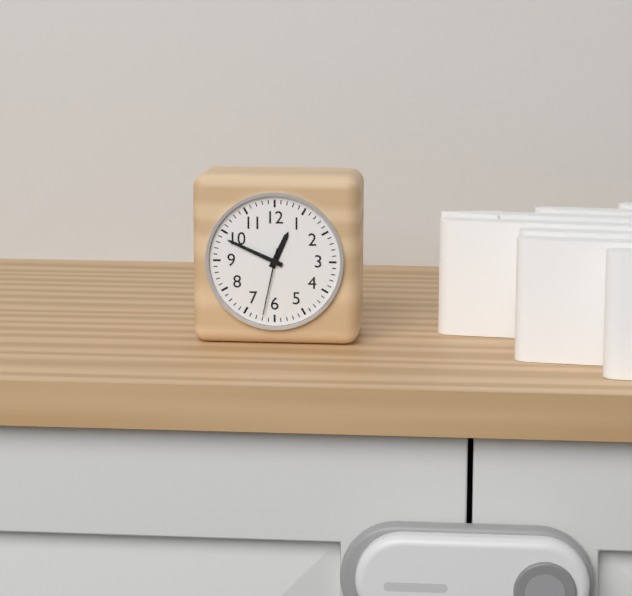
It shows 12:49:32
